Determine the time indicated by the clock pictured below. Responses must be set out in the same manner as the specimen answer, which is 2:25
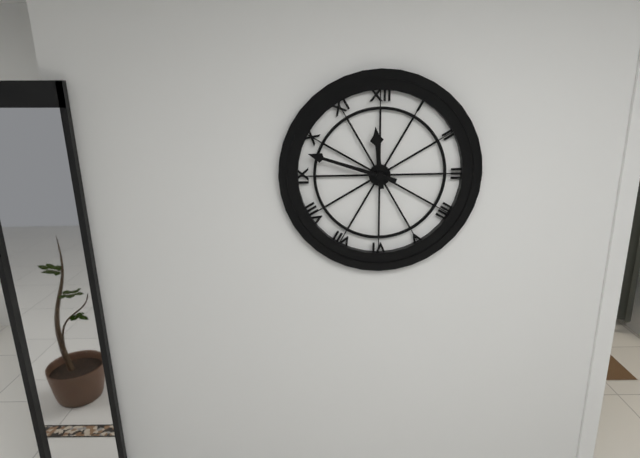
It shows 11:48
